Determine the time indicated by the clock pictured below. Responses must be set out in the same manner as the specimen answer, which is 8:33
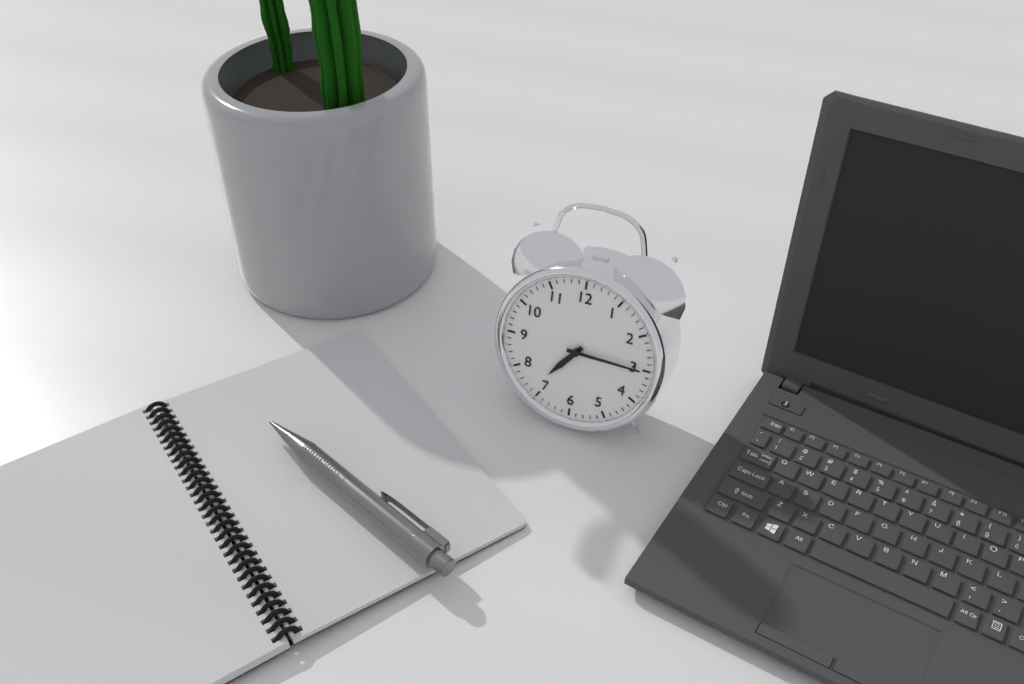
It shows 7:15
